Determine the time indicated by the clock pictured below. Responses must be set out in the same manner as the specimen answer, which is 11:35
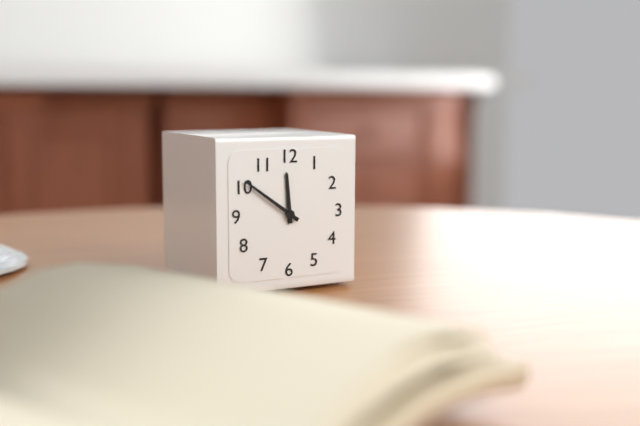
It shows 11:51
